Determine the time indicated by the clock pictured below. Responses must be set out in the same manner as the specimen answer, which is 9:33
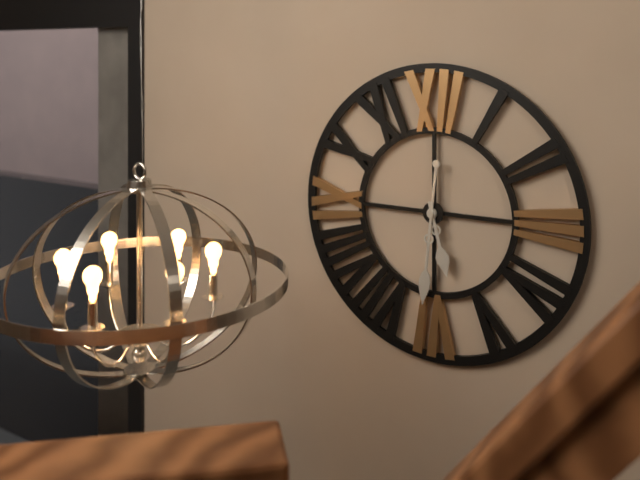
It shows 5:31
